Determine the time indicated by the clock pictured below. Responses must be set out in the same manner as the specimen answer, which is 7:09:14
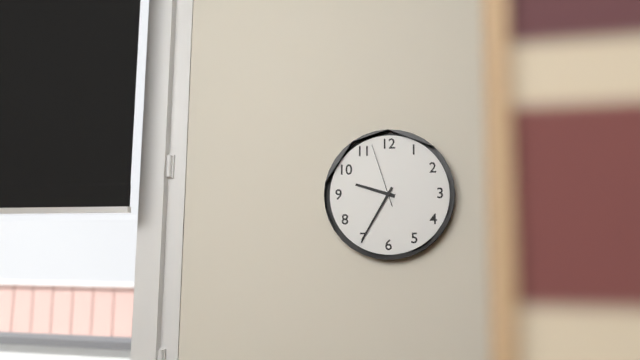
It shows 9:35:57
